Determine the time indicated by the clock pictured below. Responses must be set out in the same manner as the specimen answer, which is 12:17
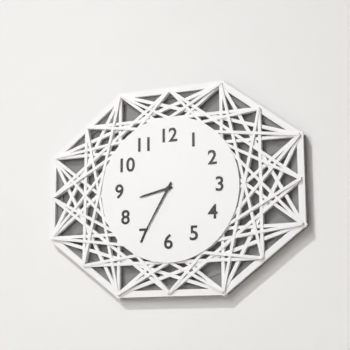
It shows 8:35
